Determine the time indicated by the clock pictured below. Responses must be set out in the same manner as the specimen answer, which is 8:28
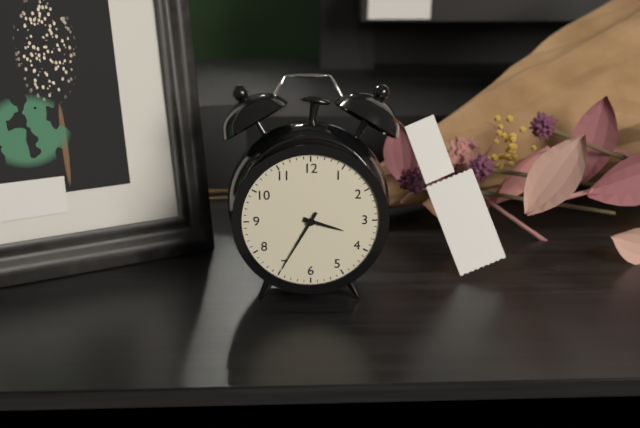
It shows 3:35
